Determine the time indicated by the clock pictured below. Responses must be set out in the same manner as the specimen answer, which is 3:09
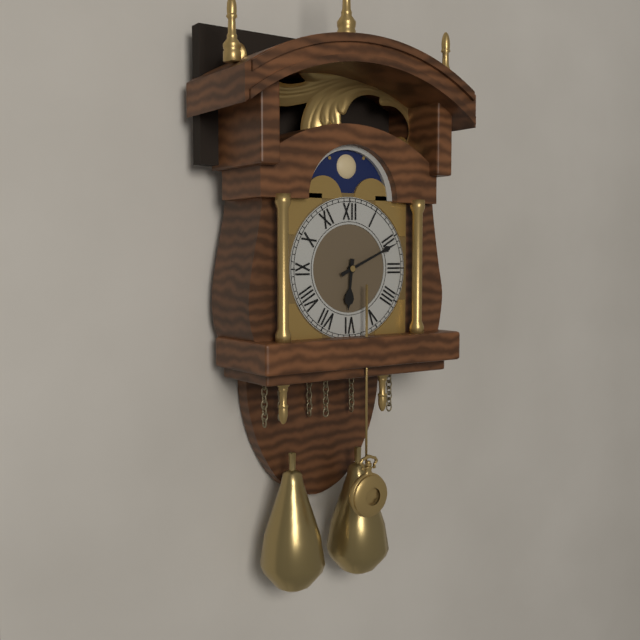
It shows 6:11
